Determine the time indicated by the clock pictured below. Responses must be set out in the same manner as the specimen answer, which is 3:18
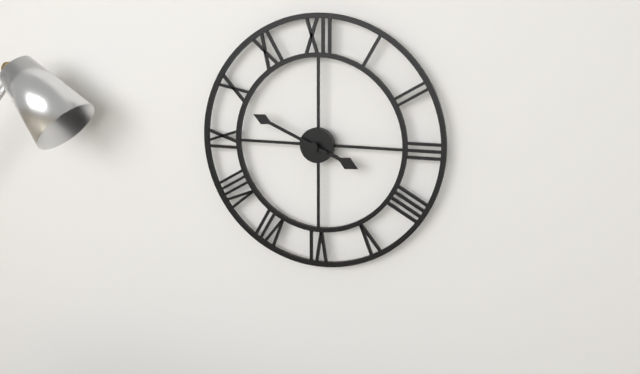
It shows 3:49
